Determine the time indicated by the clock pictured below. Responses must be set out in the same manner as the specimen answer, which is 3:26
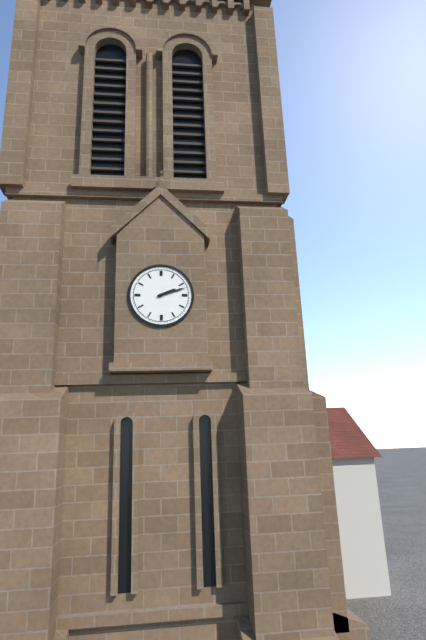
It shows 2:12
